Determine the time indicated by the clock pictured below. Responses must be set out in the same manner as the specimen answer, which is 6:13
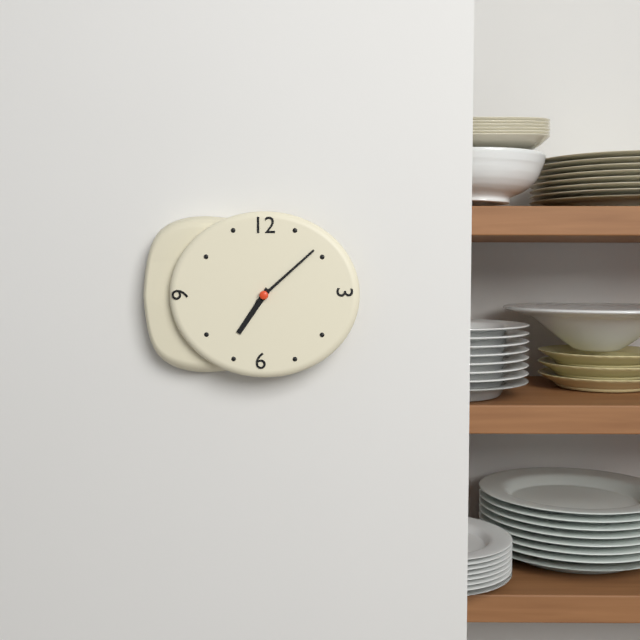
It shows 7:08
